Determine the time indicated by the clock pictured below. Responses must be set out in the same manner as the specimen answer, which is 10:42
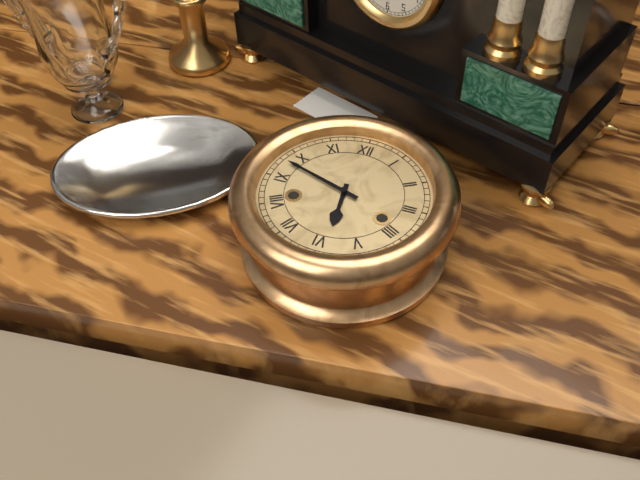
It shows 5:48
